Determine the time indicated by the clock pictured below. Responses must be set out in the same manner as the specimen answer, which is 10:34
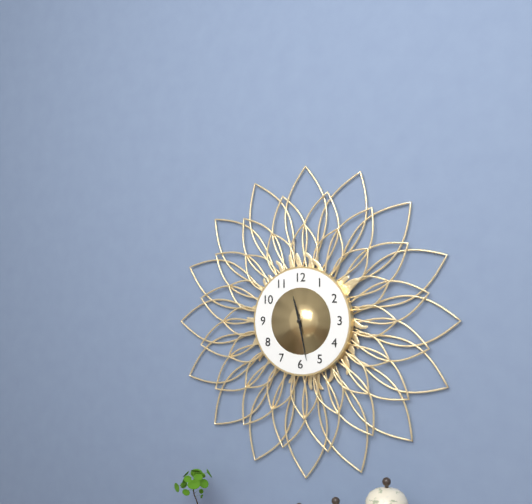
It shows 11:28
